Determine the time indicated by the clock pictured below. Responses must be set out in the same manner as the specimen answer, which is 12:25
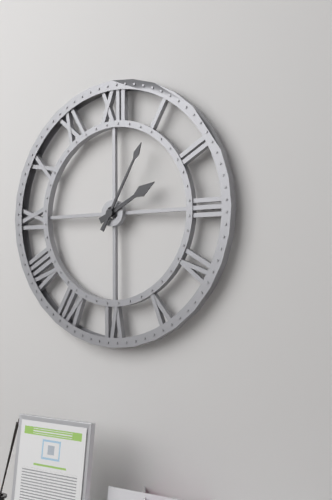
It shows 2:05
